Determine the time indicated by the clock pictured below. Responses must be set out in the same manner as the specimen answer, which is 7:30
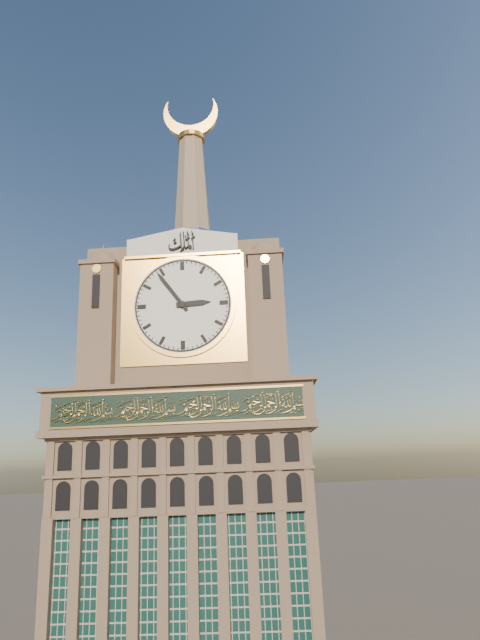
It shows 2:54
